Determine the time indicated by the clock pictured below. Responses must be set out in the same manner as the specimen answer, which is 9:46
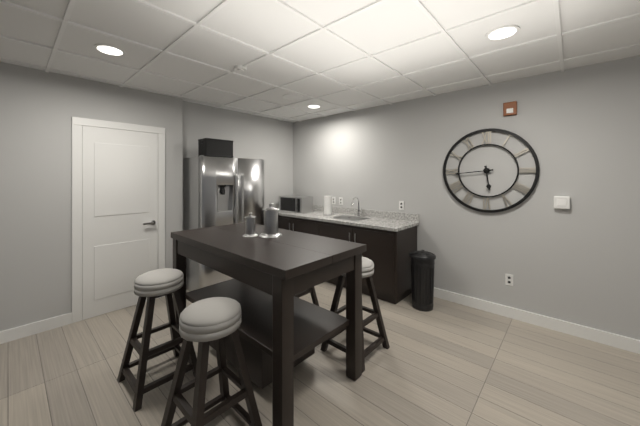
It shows 5:44
